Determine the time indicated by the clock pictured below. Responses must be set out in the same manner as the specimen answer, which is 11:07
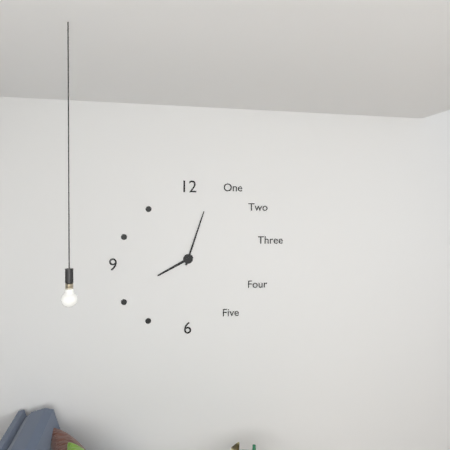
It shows 8:03
